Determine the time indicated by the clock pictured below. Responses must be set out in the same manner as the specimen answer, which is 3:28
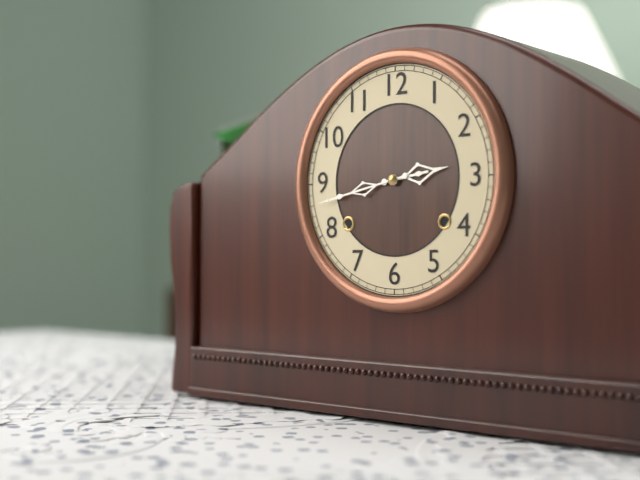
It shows 2:43
